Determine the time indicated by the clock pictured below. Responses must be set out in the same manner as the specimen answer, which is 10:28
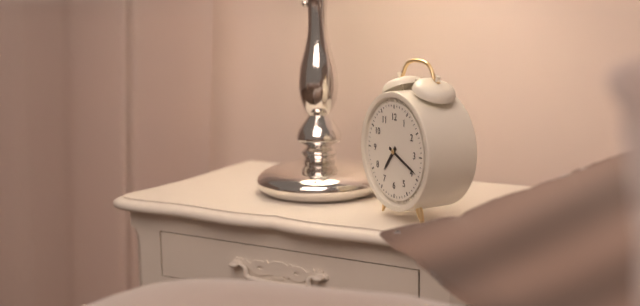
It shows 7:19
